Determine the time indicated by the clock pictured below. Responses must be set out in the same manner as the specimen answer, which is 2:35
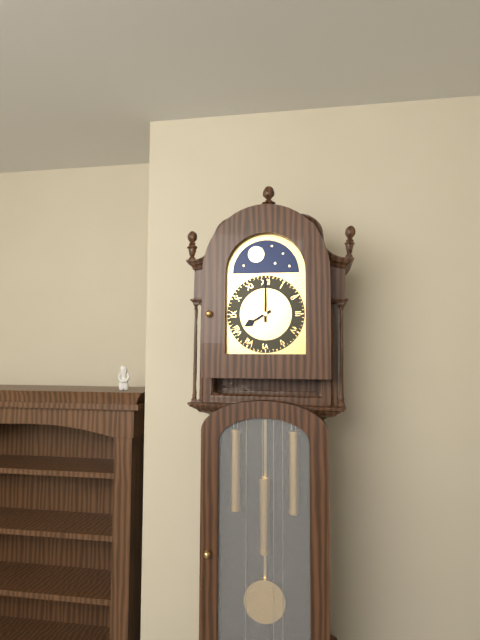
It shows 8:00
